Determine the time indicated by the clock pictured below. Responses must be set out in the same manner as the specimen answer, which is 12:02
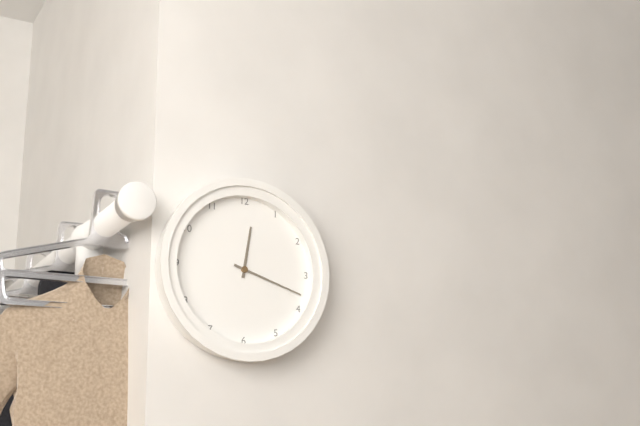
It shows 12:18
